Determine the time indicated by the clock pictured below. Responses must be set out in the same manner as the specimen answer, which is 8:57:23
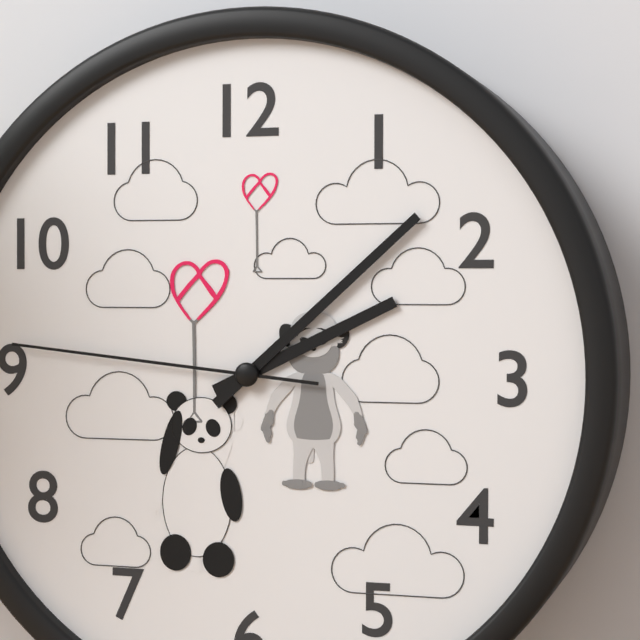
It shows 2:08:46
